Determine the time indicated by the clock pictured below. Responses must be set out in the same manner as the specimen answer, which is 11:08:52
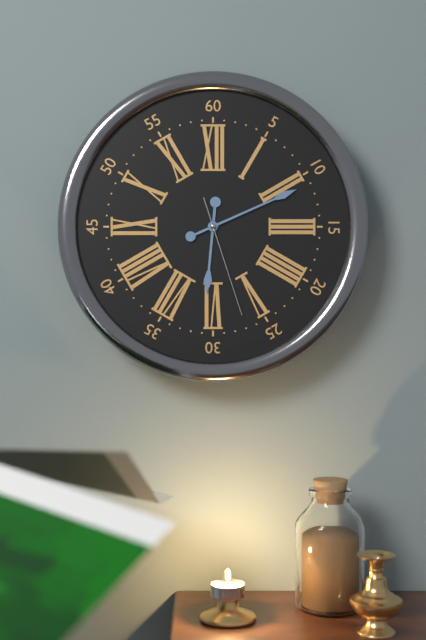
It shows 6:11:27
